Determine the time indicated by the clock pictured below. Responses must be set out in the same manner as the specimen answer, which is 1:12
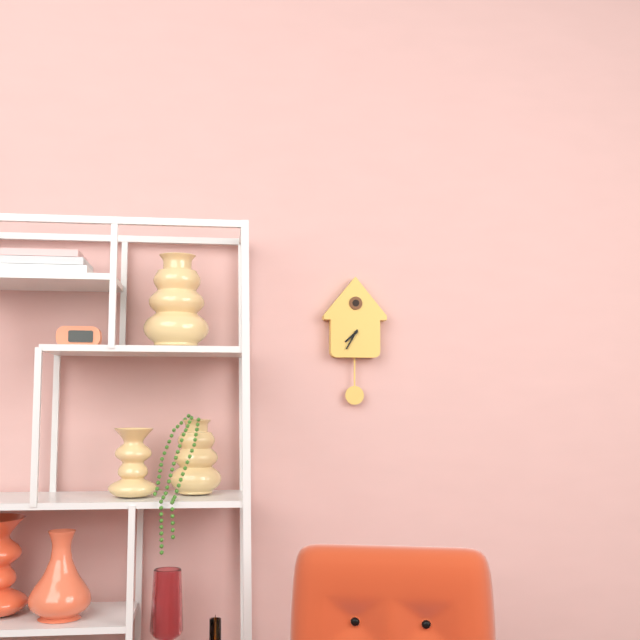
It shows 7:35
